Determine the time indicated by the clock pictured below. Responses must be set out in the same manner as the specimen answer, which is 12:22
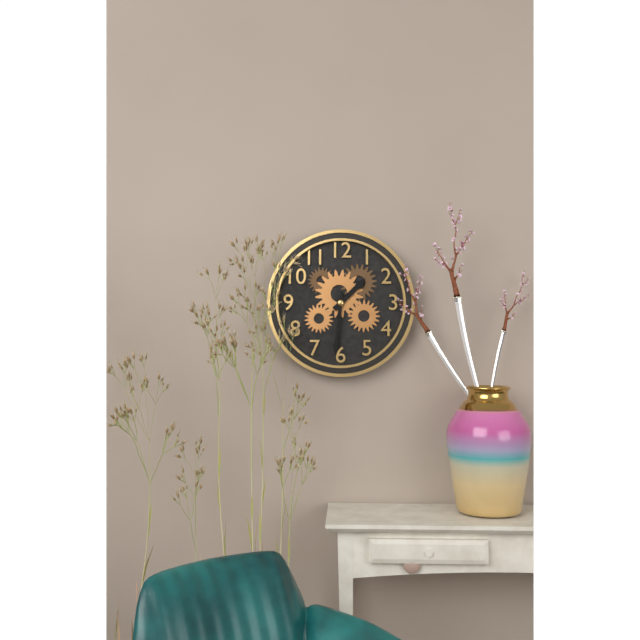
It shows 1:31
